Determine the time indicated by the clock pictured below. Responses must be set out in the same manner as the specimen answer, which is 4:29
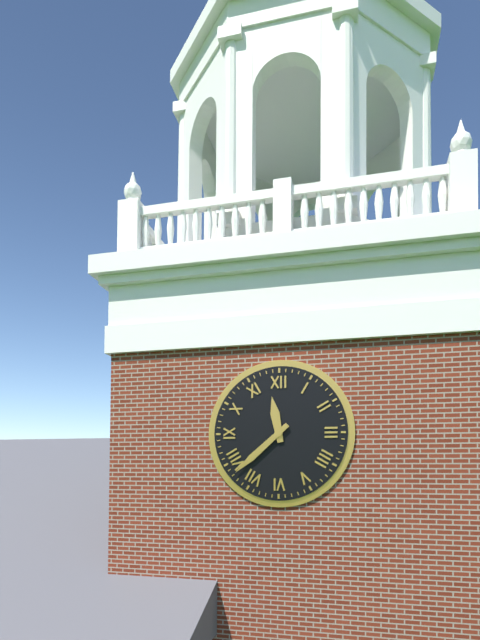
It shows 11:38
